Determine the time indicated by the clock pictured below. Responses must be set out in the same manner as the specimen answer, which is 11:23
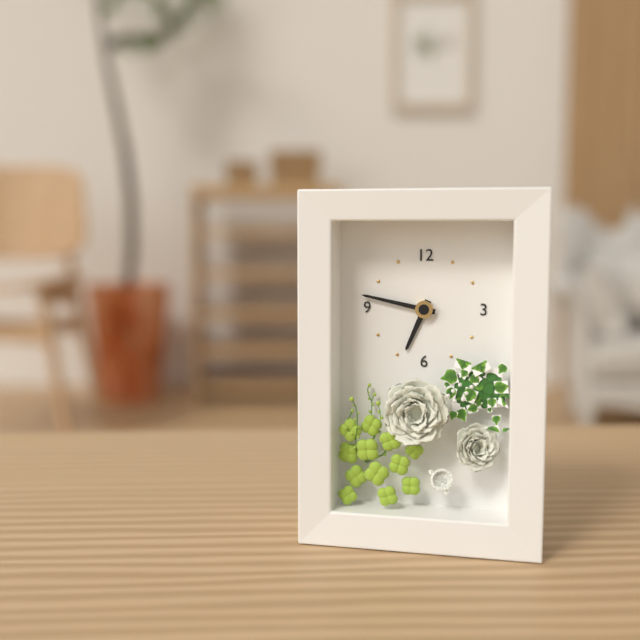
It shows 6:47
